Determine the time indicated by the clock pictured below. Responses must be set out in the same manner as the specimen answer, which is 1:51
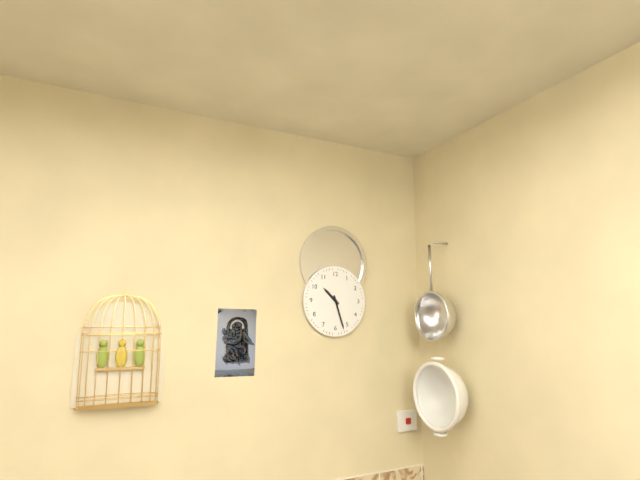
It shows 10:27
